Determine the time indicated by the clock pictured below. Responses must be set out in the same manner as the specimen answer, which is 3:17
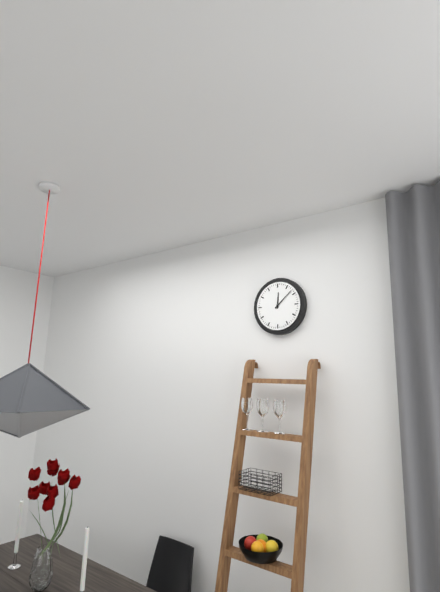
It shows 12:08
